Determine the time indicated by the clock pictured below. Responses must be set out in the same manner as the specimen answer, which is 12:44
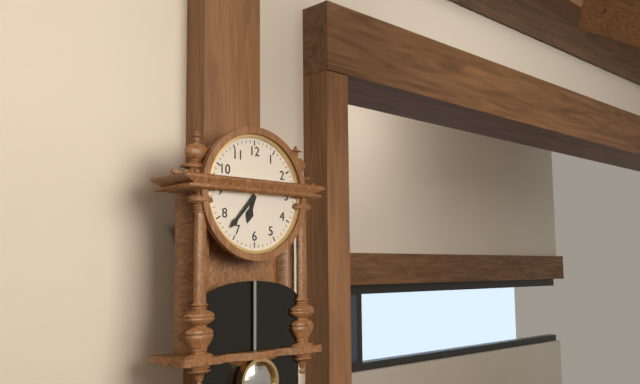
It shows 6:37
